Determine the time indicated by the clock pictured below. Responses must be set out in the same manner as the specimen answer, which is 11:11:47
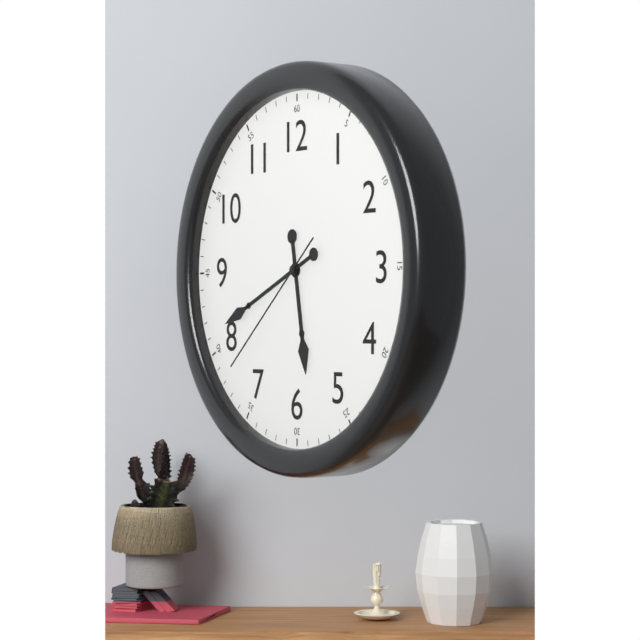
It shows 5:41:38
